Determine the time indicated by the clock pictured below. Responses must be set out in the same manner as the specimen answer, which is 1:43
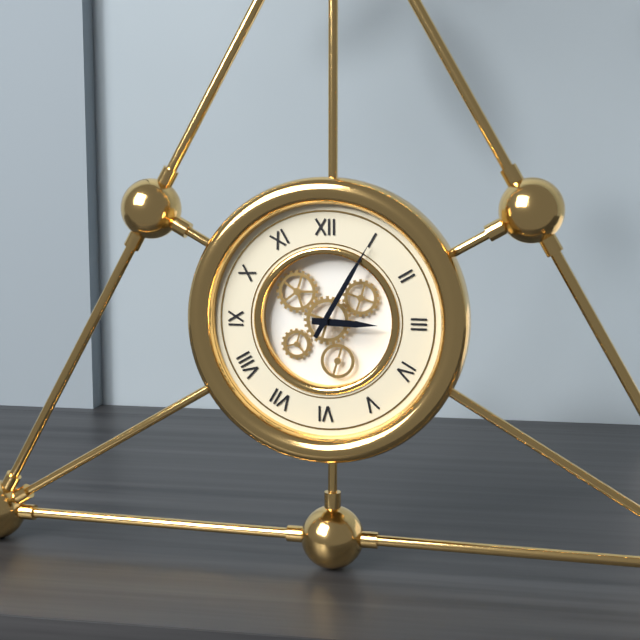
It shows 3:05
